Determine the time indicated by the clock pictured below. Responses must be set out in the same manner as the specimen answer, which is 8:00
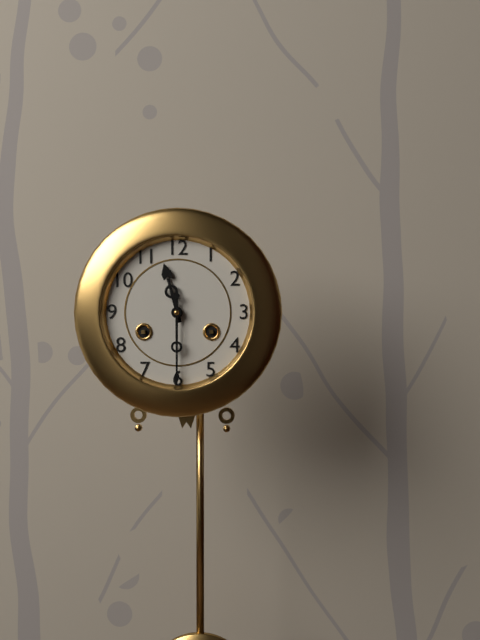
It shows 11:30
